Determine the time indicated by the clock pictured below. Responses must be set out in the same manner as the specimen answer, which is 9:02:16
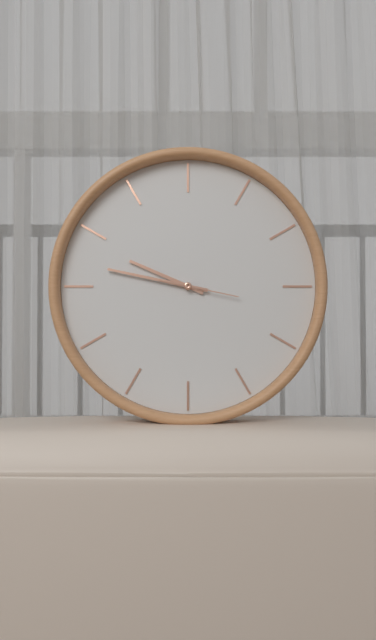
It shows 9:47:17
